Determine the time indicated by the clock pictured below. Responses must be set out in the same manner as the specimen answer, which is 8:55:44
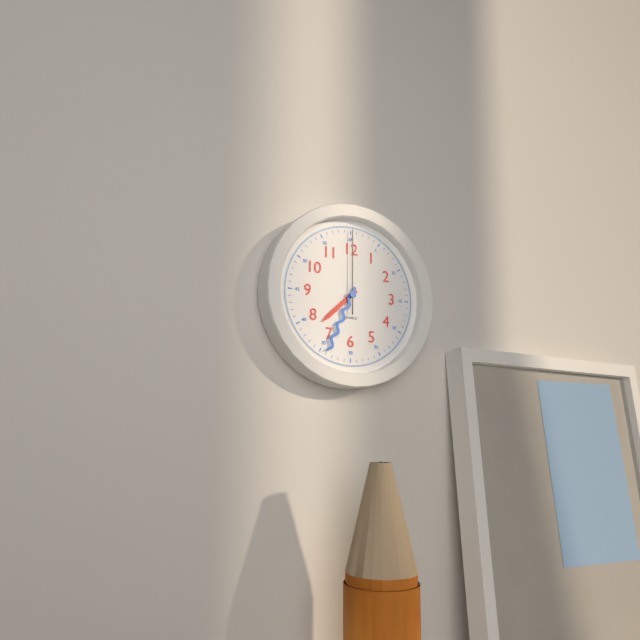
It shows 7:34:00
